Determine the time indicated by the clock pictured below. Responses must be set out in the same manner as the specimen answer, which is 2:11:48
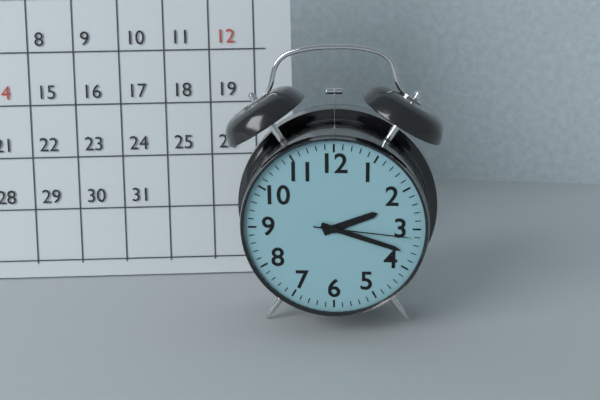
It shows 2:18:16
